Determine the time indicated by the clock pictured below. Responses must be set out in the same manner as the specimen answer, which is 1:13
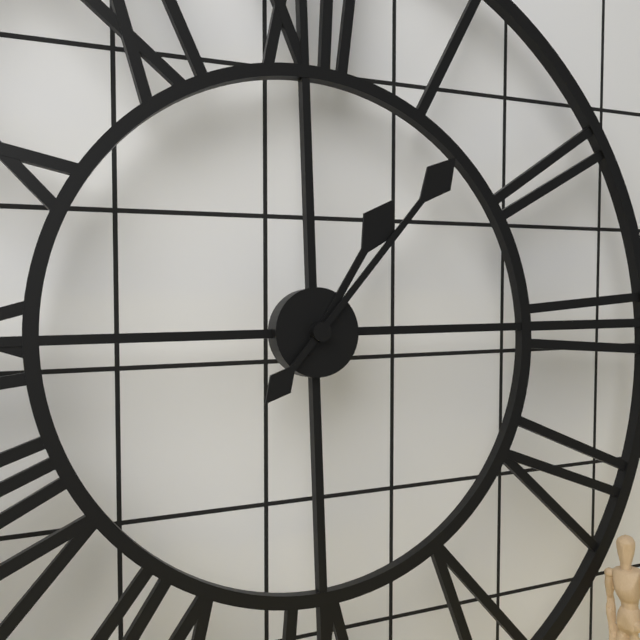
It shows 1:07
